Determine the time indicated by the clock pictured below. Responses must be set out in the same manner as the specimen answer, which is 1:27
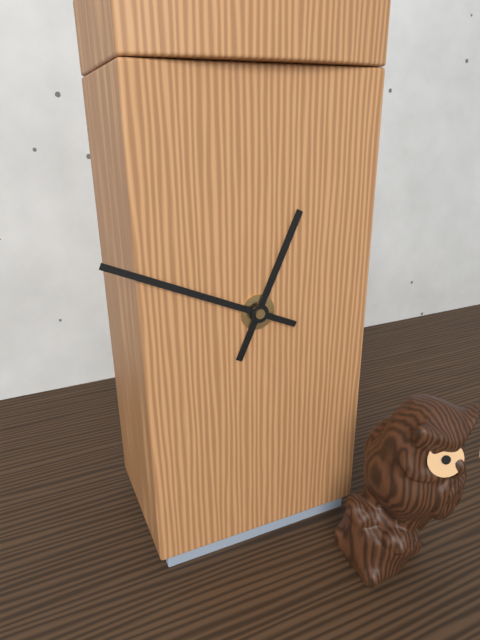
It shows 12:49
